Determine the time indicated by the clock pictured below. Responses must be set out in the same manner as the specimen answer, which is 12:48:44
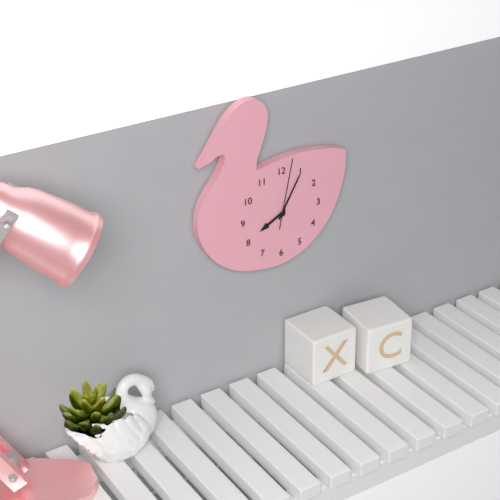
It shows 8:05:02
